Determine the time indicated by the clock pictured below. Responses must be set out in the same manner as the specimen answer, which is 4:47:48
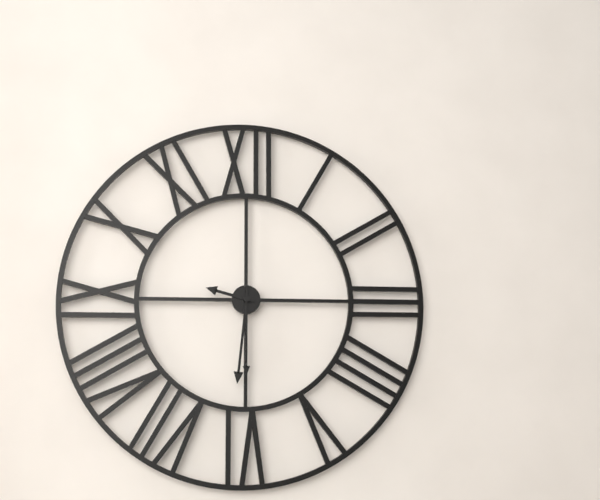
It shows 9:31:30
